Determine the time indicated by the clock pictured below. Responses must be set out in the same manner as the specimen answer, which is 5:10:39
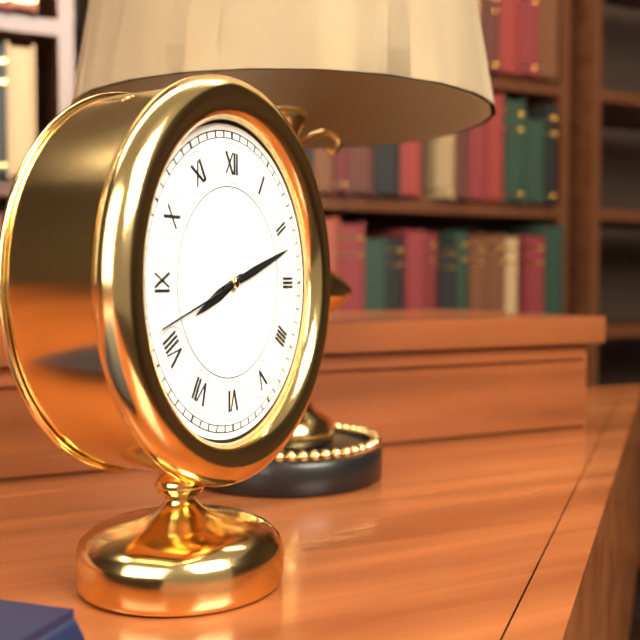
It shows 8:12:42
